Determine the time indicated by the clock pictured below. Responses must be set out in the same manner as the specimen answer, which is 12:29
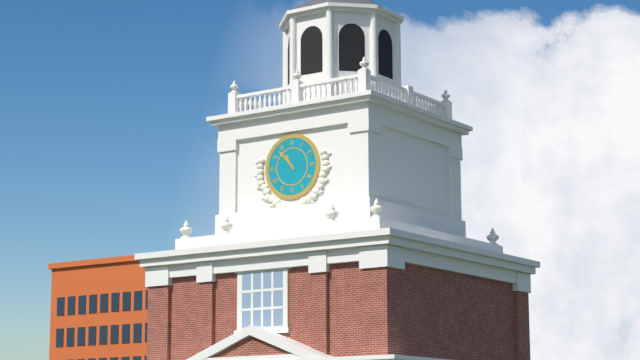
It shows 10:53
